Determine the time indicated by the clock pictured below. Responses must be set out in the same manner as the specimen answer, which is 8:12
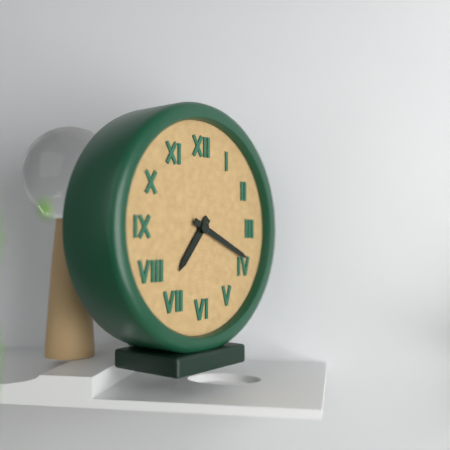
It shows 7:19
